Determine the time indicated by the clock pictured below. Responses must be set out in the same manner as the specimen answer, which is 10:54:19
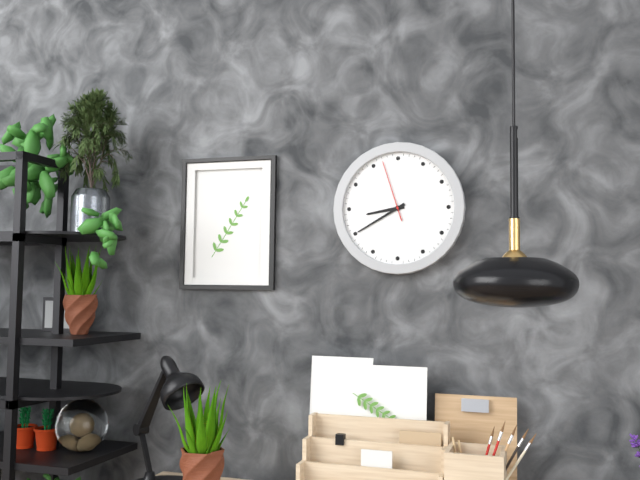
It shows 8:40:57
